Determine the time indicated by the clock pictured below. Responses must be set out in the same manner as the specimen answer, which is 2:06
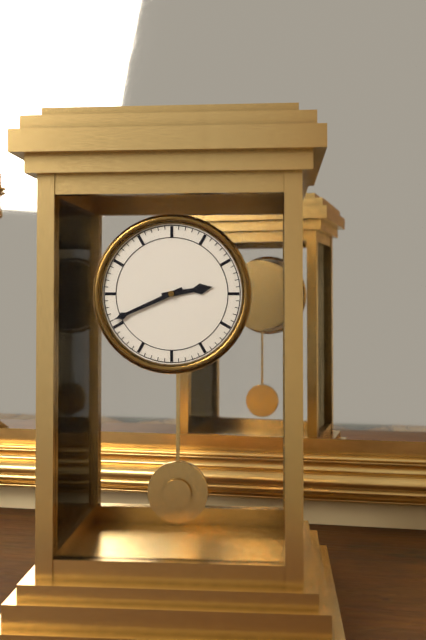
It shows 2:41
